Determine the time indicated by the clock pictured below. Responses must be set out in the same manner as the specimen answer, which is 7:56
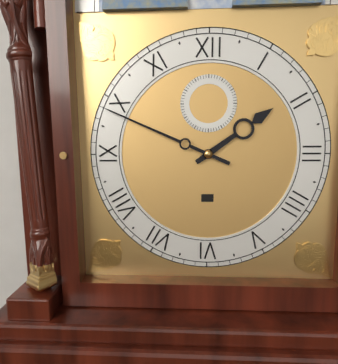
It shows 1:49
